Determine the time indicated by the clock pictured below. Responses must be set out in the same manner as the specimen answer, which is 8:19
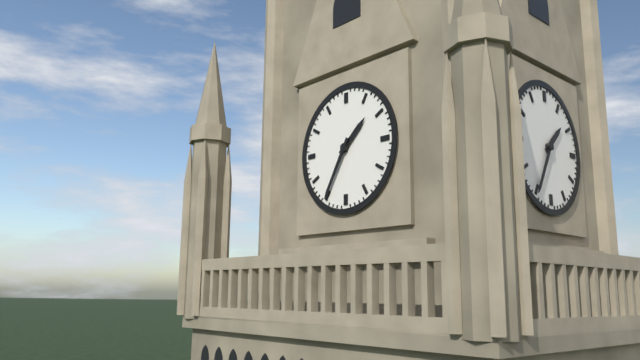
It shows 1:35
